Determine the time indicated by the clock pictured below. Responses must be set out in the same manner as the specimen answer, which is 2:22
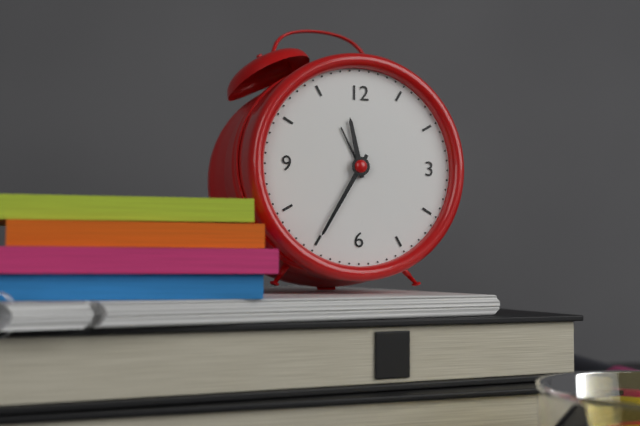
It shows 11:35
